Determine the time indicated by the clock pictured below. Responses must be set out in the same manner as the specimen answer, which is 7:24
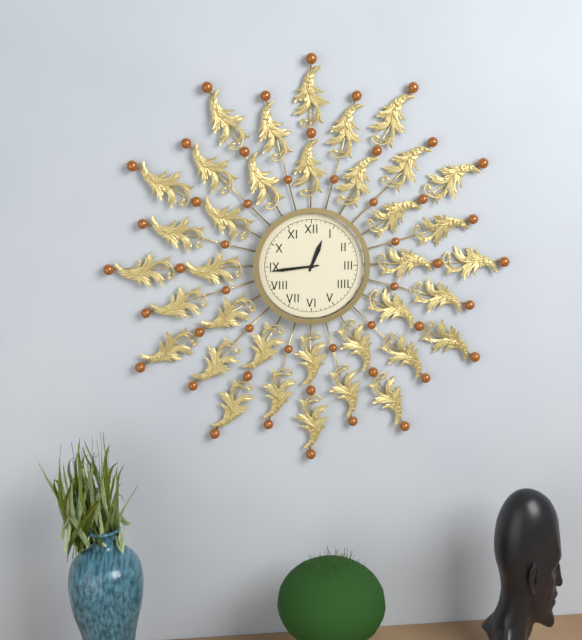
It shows 12:44
